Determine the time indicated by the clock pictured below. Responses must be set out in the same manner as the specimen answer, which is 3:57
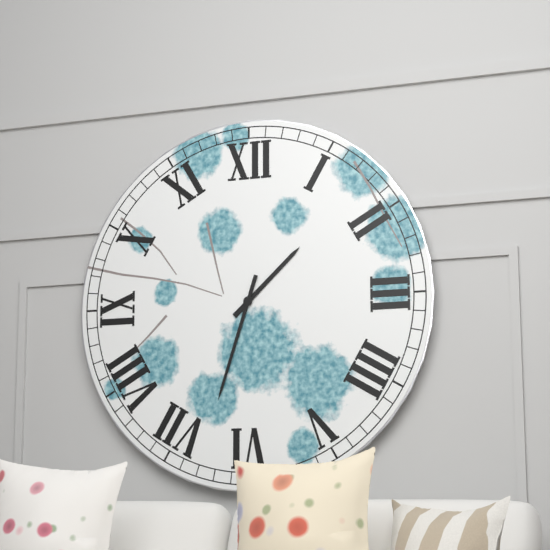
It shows 1:33
